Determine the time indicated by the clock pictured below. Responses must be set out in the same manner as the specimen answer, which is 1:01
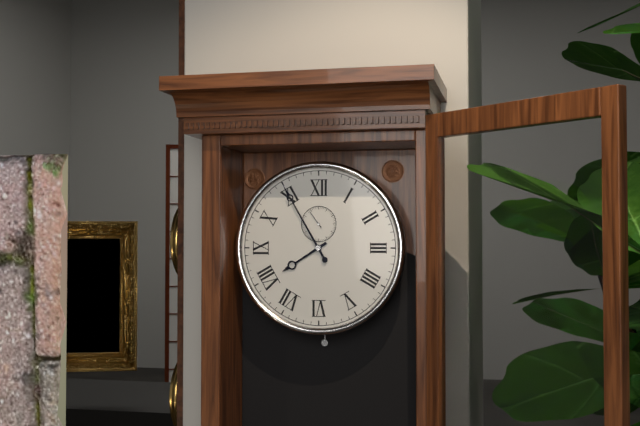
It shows 7:55
